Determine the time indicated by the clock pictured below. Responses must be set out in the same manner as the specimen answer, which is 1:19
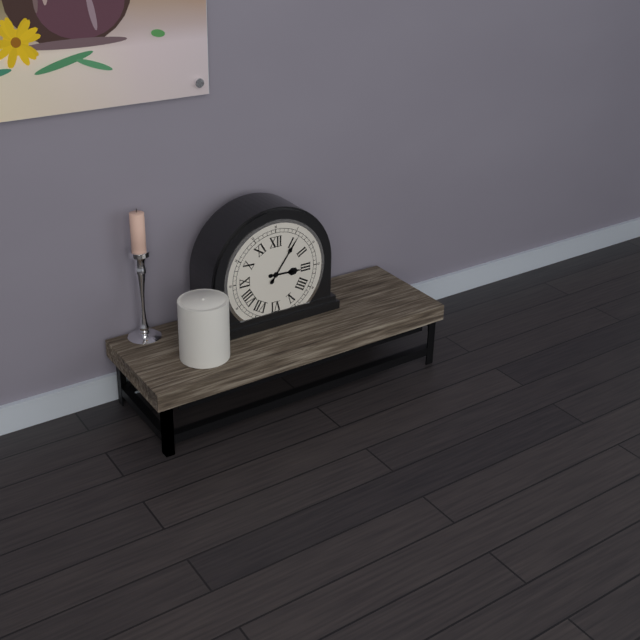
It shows 3:06
